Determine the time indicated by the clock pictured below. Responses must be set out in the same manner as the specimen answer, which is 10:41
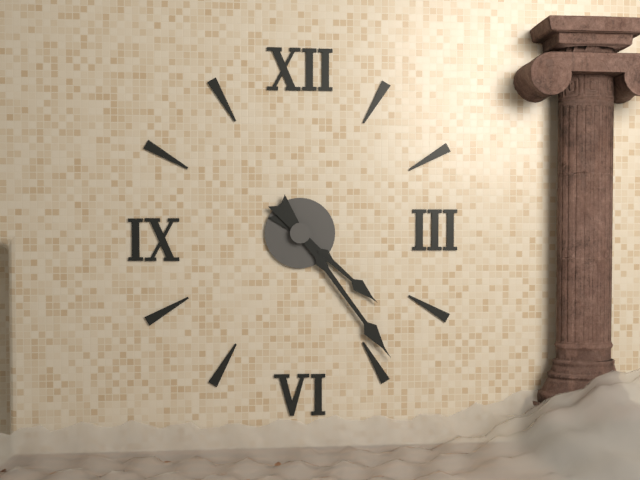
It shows 4:24
